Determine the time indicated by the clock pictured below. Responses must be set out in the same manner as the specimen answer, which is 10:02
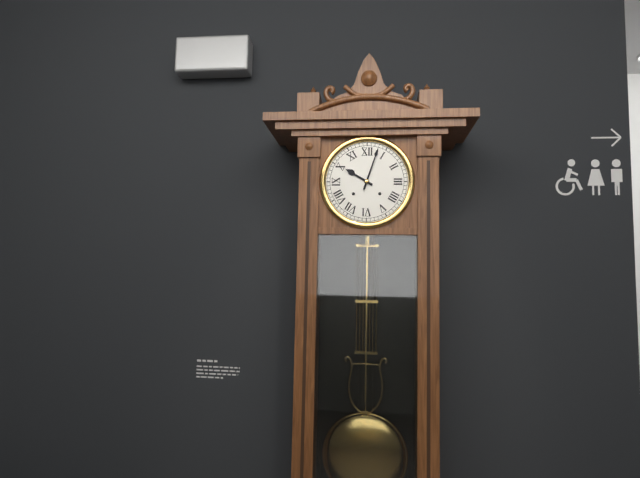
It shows 10:03
